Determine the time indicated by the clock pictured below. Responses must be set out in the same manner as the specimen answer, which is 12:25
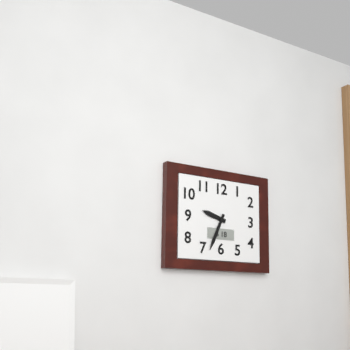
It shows 9:34
